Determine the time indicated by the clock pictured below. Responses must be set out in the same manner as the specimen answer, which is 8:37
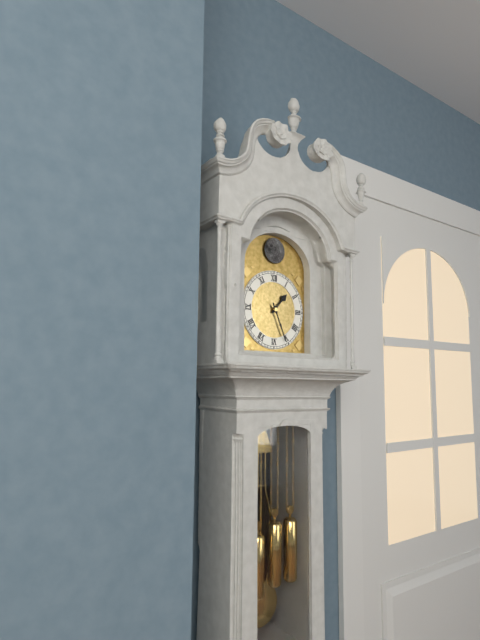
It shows 1:26
